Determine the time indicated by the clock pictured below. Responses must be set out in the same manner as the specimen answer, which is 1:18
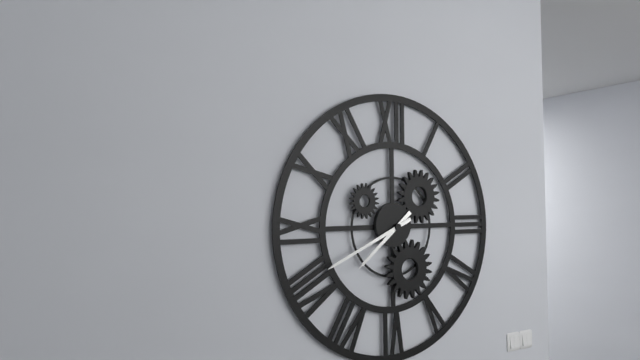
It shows 7:41
